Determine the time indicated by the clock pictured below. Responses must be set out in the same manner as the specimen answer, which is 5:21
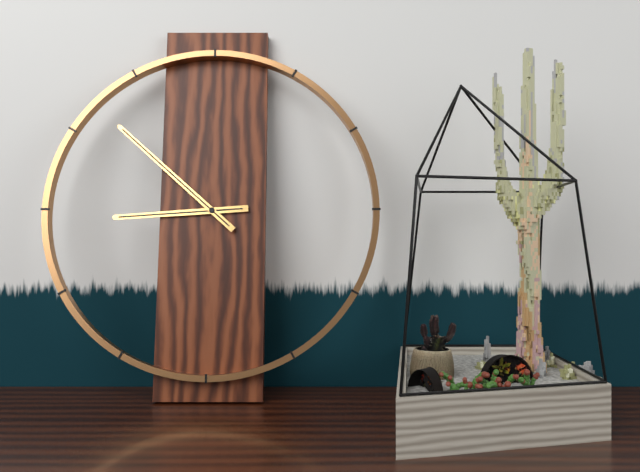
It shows 8:52
